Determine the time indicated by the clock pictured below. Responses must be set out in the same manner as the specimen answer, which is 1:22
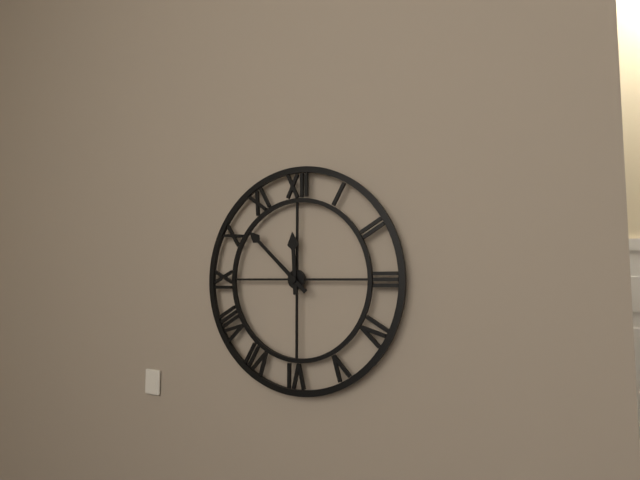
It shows 11:52
